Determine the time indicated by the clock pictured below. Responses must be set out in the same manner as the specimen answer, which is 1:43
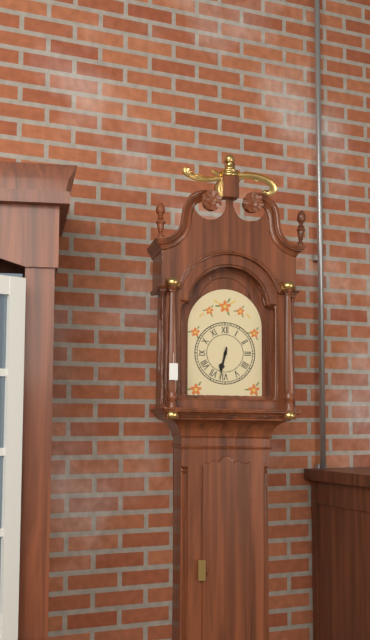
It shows 6:32
